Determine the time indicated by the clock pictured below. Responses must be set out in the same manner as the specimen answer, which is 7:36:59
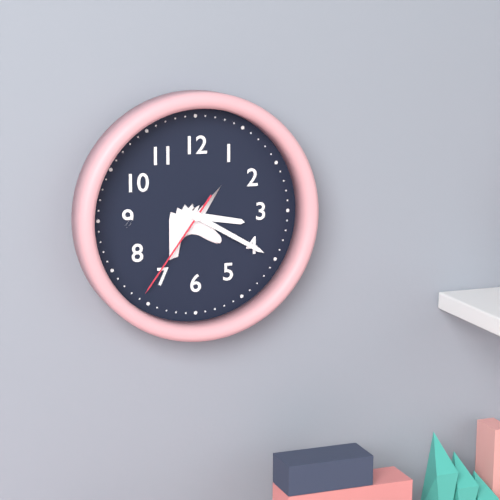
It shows 3:20:36
